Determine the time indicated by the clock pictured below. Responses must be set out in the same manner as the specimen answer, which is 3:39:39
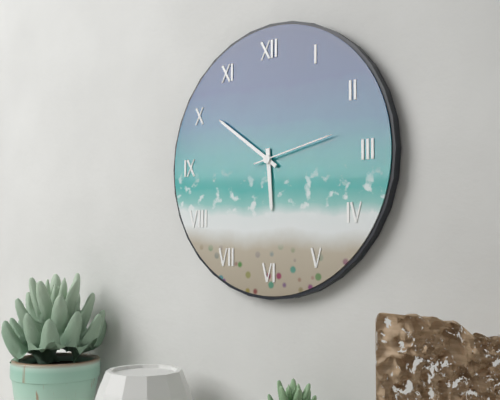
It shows 5:51:13
